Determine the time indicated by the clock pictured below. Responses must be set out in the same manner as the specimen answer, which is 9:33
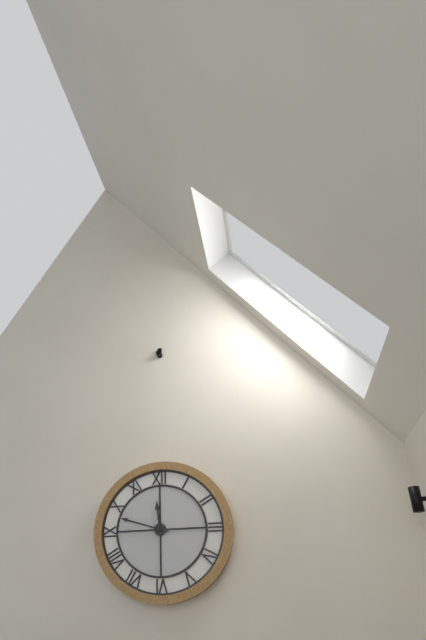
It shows 11:48
